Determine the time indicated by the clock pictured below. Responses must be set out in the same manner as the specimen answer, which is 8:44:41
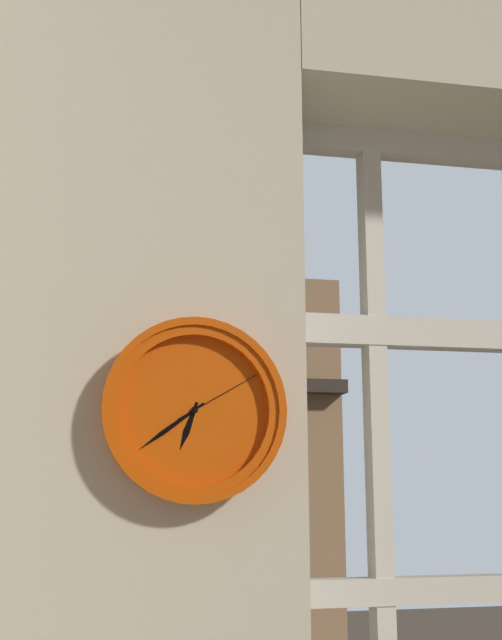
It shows 6:39:10
